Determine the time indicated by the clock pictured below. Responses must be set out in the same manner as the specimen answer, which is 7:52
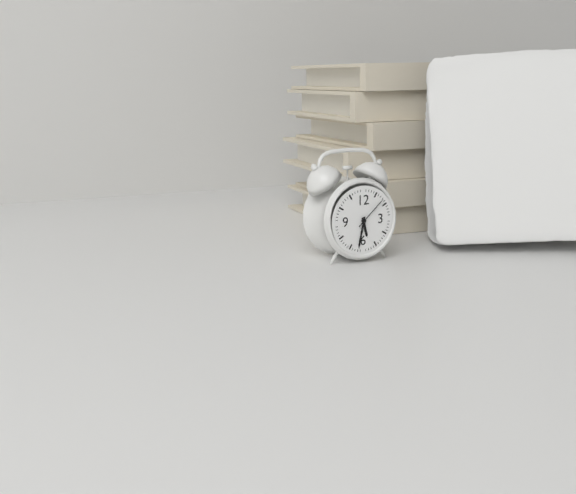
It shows 5:32
